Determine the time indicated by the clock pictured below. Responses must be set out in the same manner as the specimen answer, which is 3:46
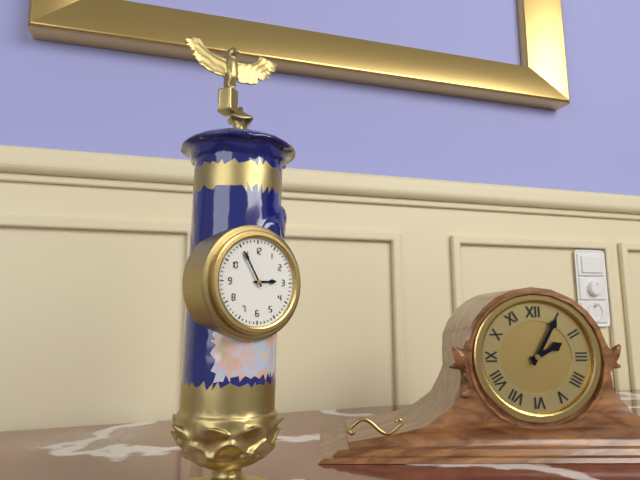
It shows 2:55
